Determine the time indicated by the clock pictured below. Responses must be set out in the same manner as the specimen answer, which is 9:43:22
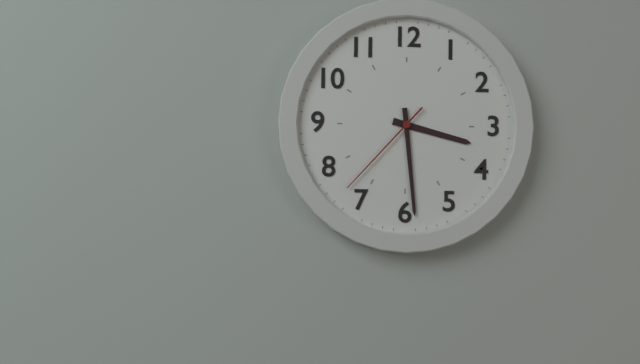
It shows 3:29:37
